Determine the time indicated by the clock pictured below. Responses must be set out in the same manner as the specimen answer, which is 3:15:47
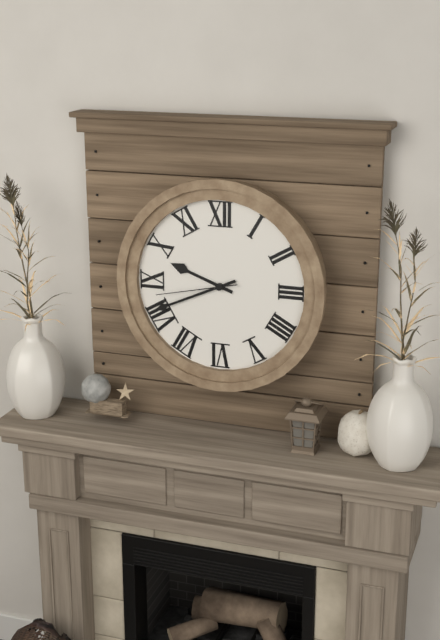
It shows 9:41:43
